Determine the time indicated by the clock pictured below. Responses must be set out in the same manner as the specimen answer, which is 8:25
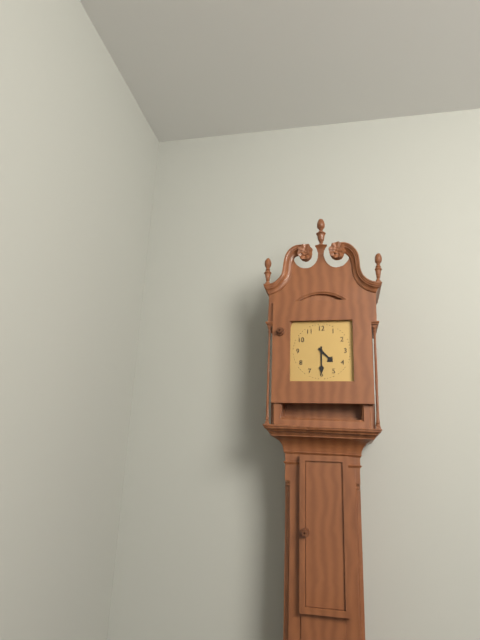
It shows 4:30
